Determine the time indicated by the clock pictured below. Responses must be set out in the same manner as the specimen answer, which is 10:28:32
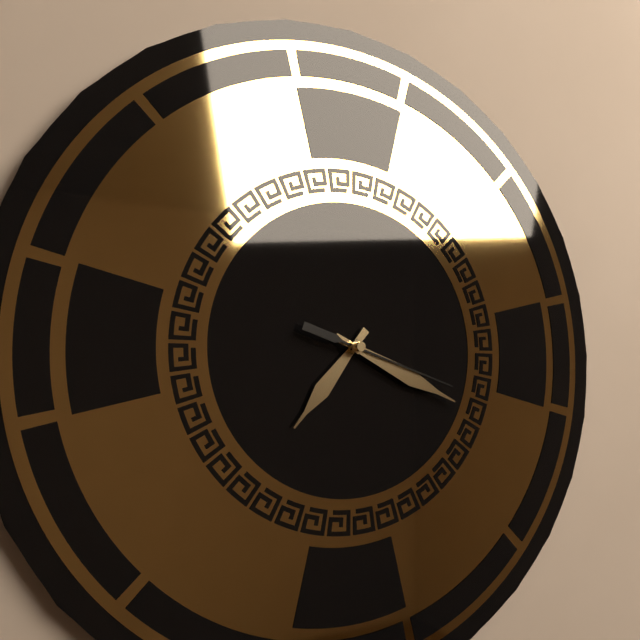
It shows 7:19:18
